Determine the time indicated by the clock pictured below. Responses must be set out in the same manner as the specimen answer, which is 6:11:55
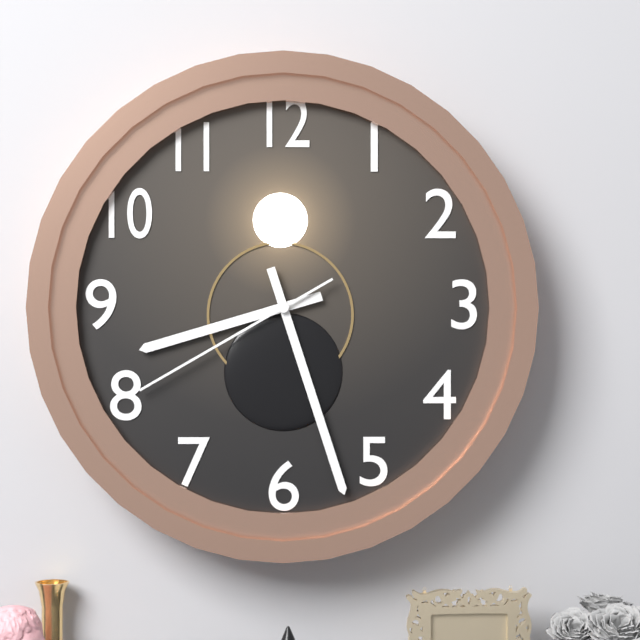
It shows 8:27:40
